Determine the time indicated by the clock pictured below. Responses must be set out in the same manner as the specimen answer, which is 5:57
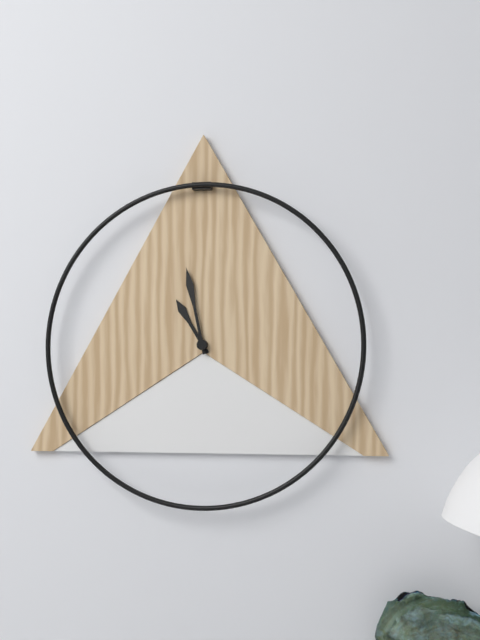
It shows 10:58
